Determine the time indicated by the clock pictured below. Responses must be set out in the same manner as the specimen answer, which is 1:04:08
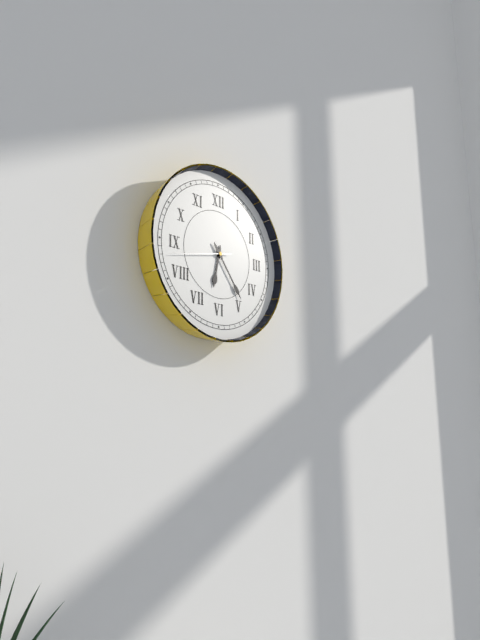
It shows 6:24:43
